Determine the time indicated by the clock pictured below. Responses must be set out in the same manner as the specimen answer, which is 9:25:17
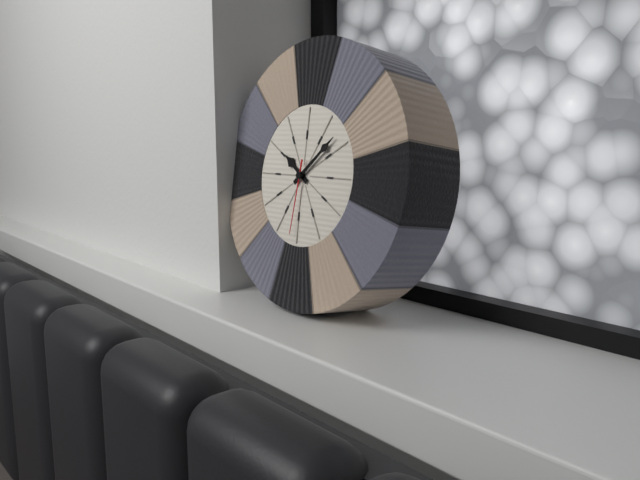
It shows 10:08:31
